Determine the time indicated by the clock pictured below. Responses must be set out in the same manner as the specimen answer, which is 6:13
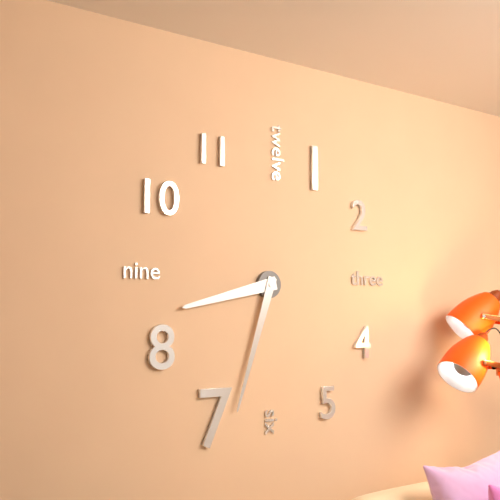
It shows 8:33
